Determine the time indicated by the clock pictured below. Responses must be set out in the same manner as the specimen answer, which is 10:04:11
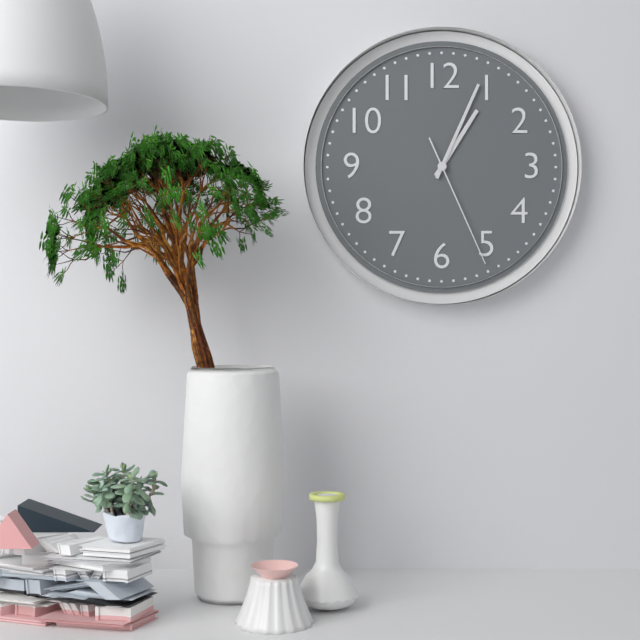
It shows 1:04:26
